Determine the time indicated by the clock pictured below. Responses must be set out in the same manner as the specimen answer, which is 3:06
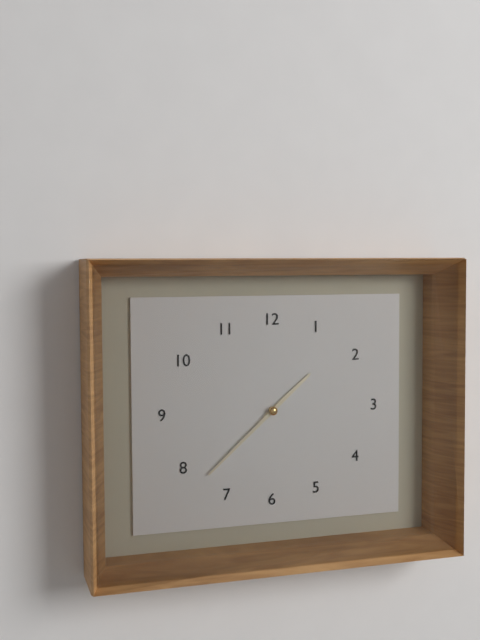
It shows 1:38
